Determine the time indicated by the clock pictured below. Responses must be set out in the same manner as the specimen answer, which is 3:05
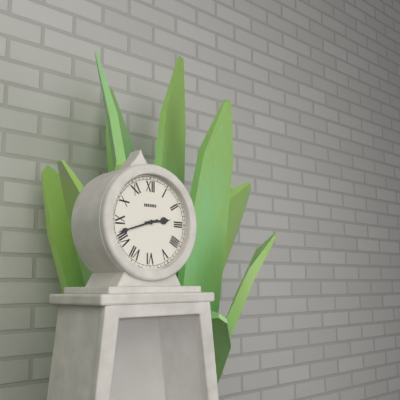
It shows 2:42
